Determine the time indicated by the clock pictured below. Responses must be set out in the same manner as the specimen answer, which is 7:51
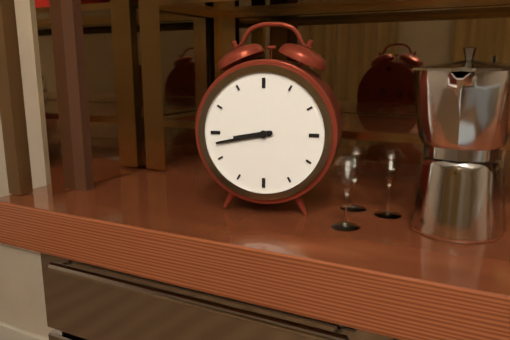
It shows 8:43
